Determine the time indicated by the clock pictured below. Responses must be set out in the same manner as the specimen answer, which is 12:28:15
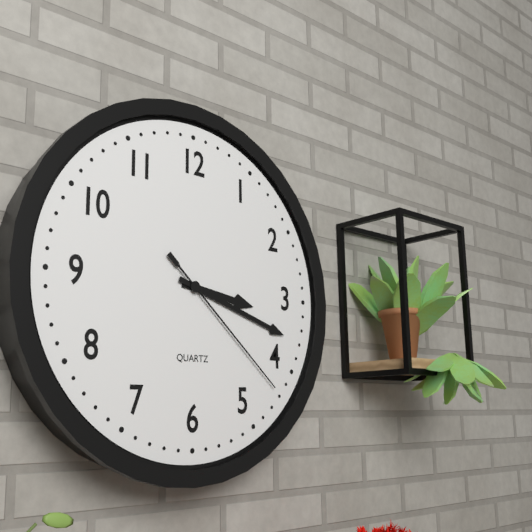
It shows 3:18:22
